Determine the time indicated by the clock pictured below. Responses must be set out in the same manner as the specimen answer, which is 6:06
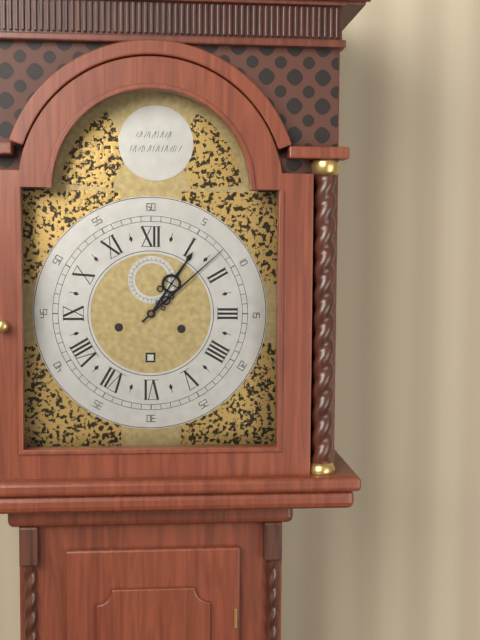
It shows 1:08
